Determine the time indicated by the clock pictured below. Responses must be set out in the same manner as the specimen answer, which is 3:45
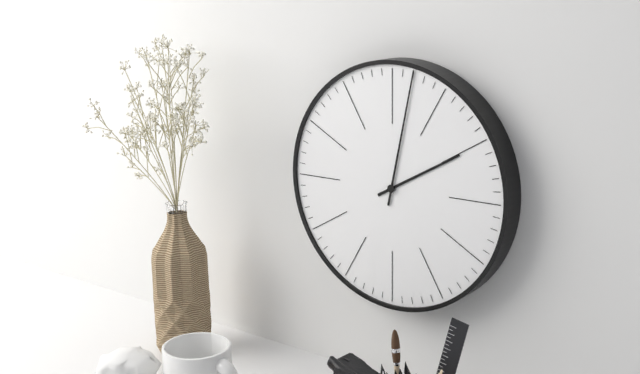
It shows 2:02
